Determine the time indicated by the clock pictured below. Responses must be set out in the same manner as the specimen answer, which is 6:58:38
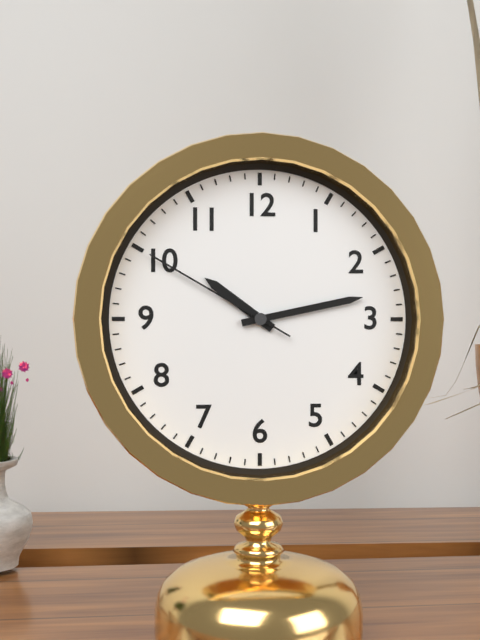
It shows 10:13:50
